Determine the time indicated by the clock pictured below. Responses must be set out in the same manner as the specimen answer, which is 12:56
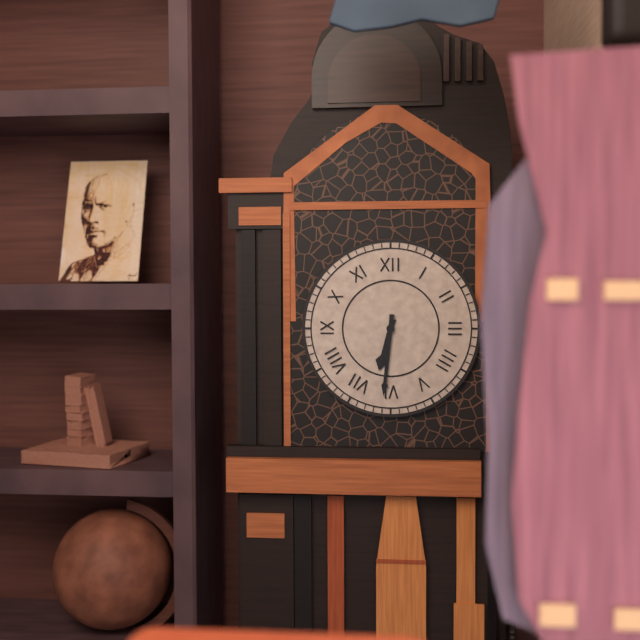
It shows 6:31
